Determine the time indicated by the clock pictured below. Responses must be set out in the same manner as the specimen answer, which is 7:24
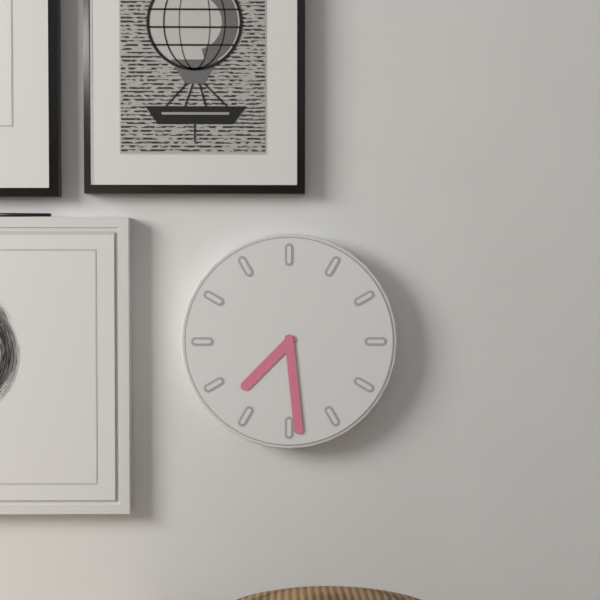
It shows 7:29
